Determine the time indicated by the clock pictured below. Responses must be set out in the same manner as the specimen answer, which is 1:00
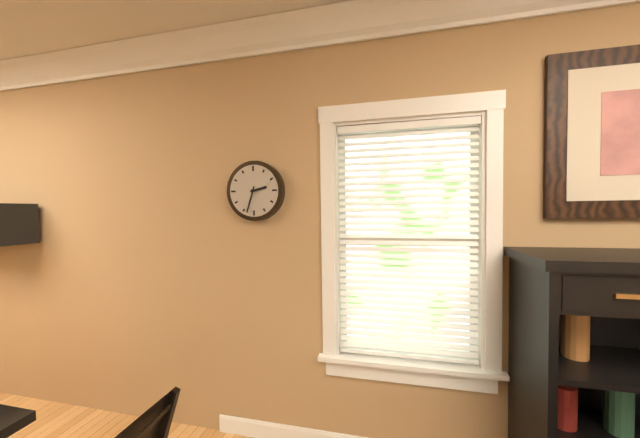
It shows 2:33
